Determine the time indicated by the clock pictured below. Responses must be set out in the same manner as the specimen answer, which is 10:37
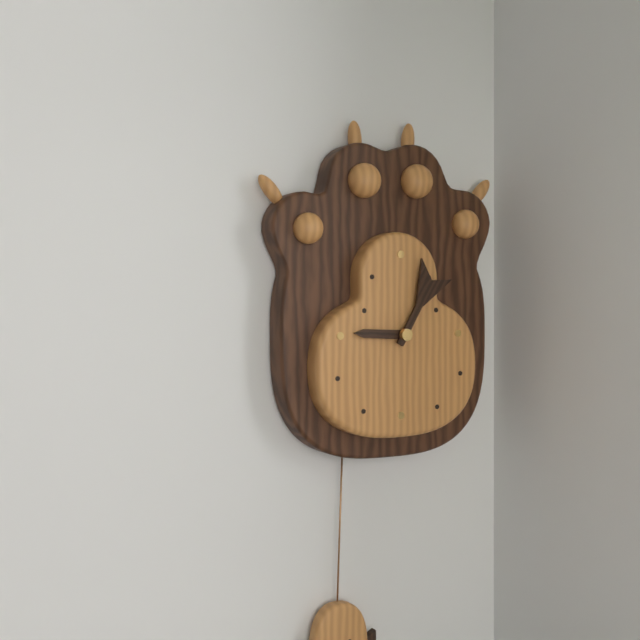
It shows 9:05
